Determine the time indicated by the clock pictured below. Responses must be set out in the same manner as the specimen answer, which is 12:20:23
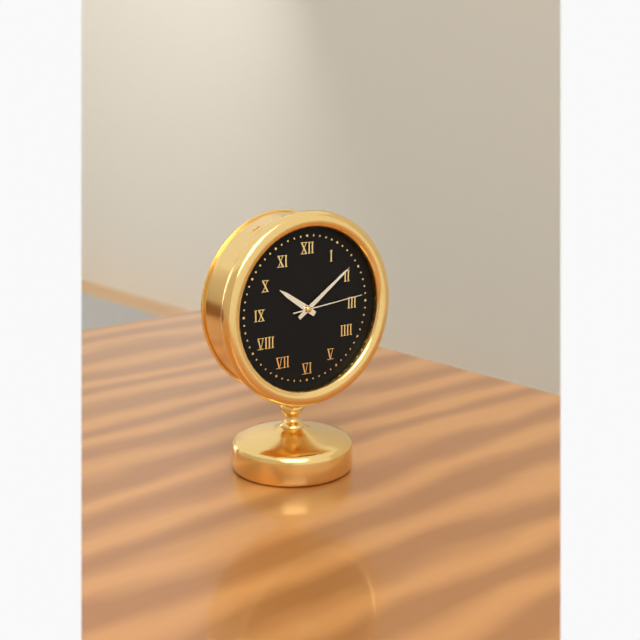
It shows 10:09:14
